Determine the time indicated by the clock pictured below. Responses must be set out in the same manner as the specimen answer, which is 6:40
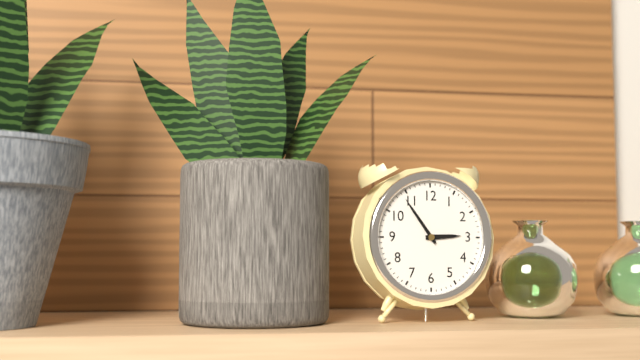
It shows 2:54
